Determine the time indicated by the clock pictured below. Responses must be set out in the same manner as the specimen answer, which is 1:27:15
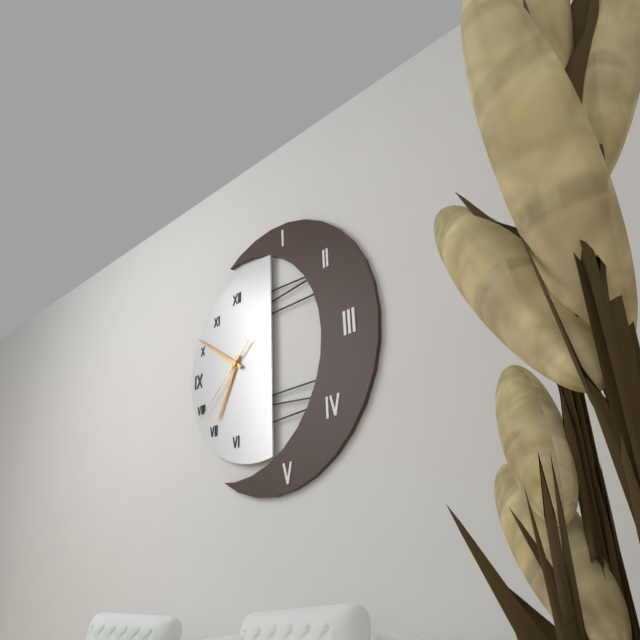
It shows 6:51:38
